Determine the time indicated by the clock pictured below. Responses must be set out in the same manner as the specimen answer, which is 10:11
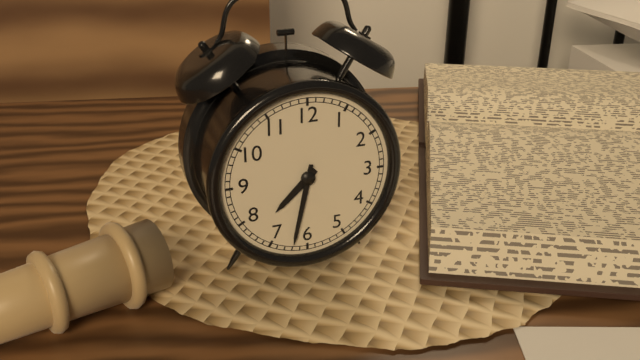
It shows 7:32
